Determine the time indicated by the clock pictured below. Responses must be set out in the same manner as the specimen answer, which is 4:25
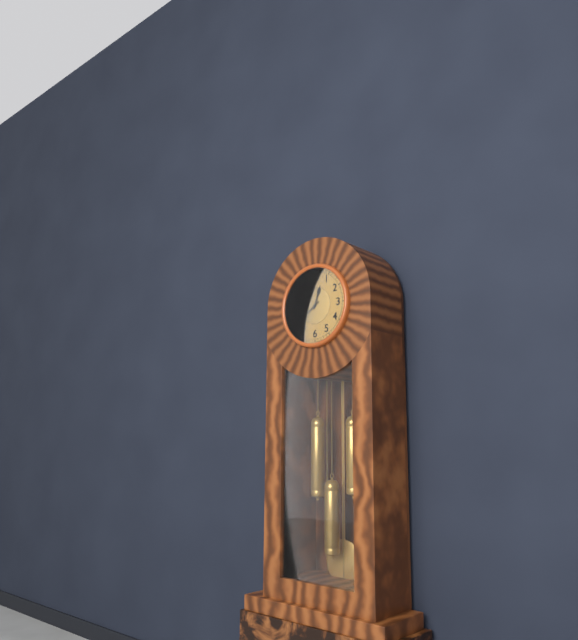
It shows 12:39
